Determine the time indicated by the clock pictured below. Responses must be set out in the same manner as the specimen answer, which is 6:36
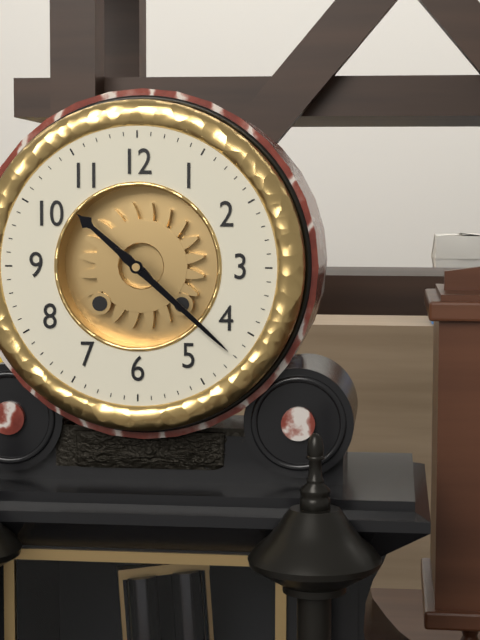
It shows 10:22
